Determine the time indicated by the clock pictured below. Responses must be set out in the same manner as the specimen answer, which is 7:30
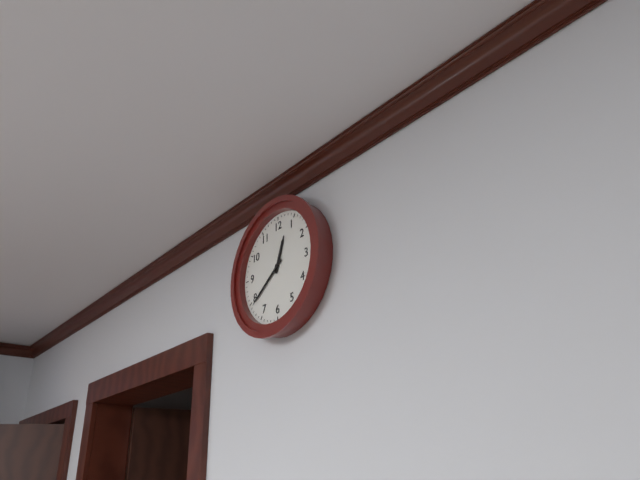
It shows 12:39
